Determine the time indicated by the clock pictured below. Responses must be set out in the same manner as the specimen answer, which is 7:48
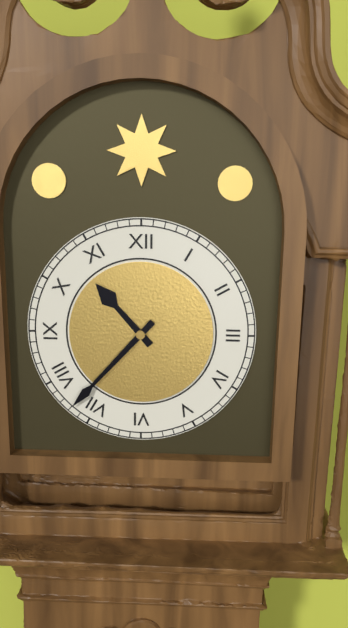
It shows 10:37
